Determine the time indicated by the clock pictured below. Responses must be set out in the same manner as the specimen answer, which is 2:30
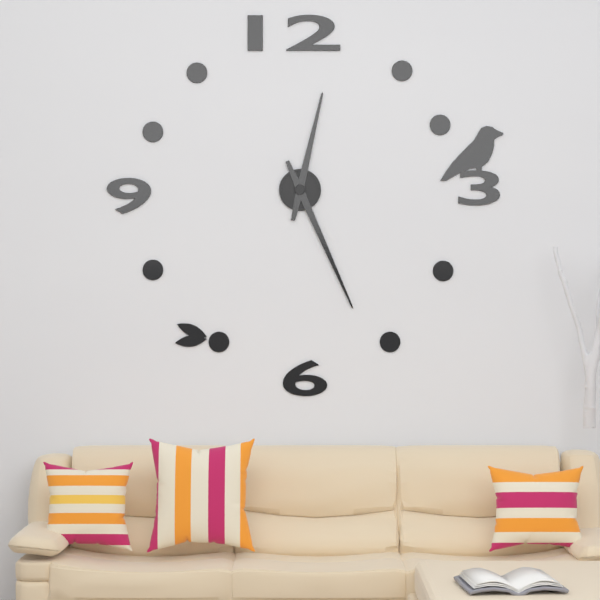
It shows 12:26
